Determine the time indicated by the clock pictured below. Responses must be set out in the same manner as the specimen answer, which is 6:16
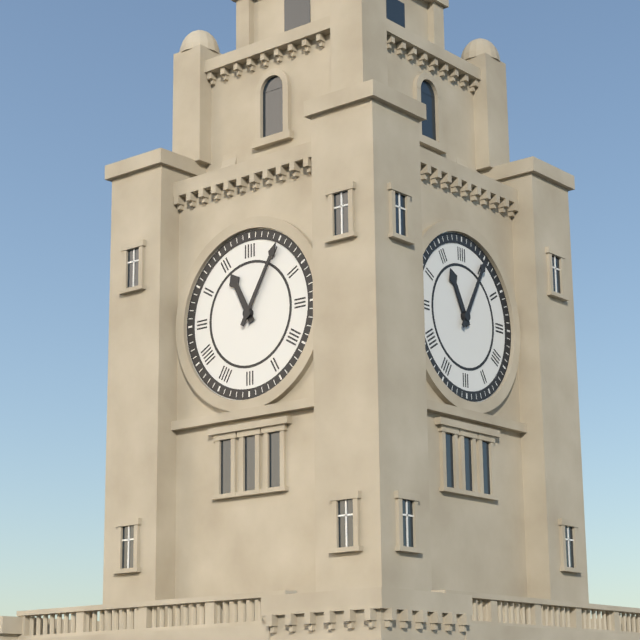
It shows 11:05
